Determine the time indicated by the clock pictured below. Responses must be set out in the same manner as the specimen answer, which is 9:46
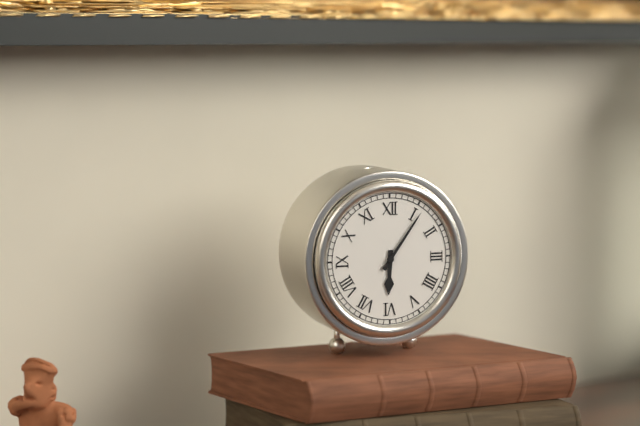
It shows 6:06
